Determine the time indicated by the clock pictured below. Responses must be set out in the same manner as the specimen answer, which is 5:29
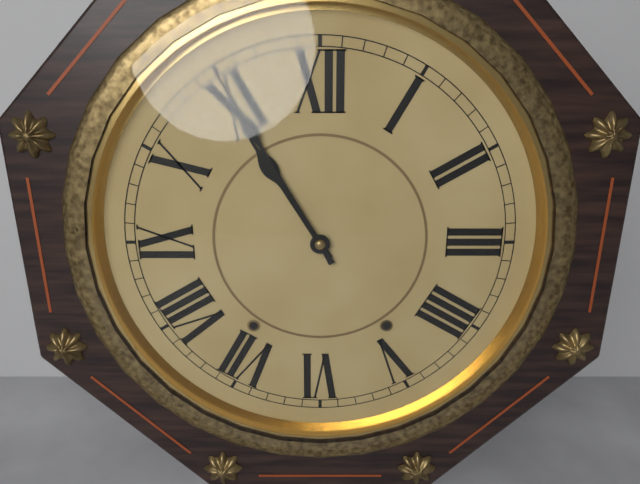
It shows 10:55
